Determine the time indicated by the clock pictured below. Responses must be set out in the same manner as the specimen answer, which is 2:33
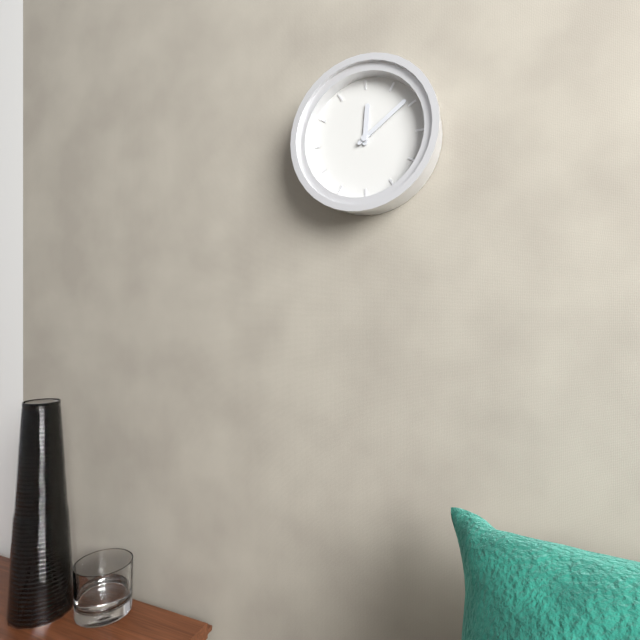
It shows 12:09
